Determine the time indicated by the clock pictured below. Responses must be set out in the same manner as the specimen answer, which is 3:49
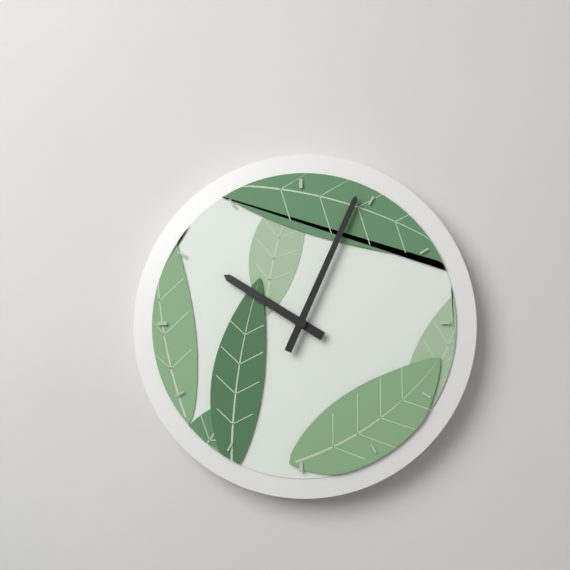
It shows 10:04
